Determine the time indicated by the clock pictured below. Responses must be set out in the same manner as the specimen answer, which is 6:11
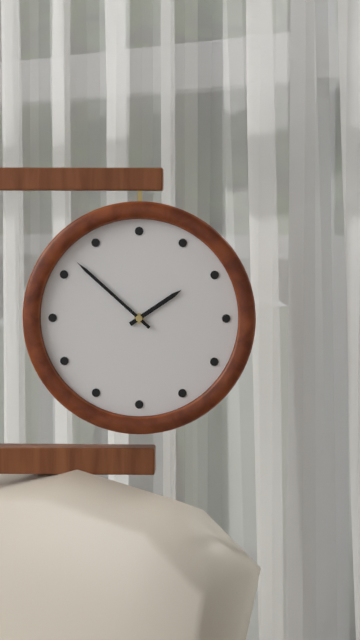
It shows 1:52
